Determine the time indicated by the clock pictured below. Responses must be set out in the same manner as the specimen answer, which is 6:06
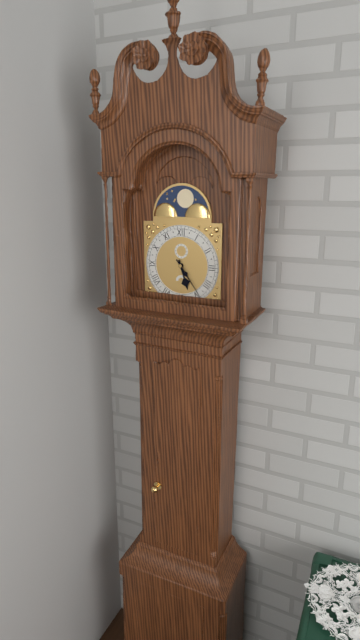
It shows 5:24
